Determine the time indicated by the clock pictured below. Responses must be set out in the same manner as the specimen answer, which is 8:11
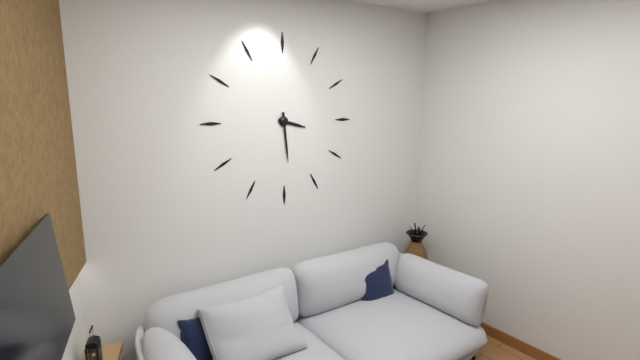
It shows 3:29
